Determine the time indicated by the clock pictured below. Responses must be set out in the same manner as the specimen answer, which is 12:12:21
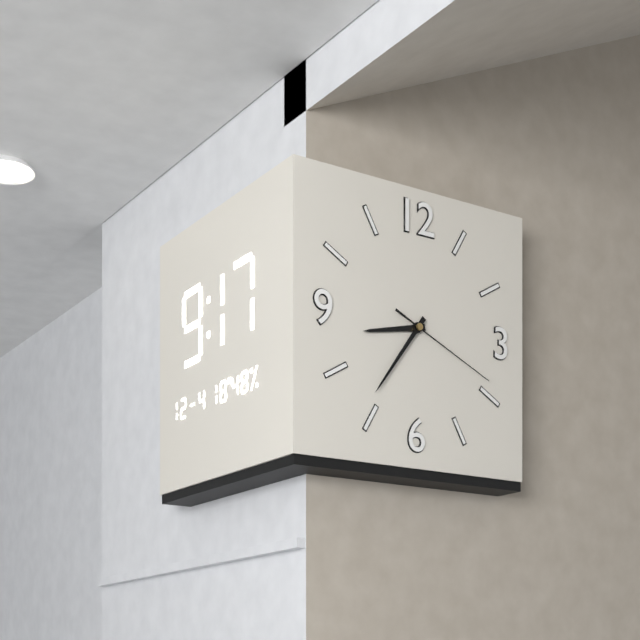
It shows 8:36:19
